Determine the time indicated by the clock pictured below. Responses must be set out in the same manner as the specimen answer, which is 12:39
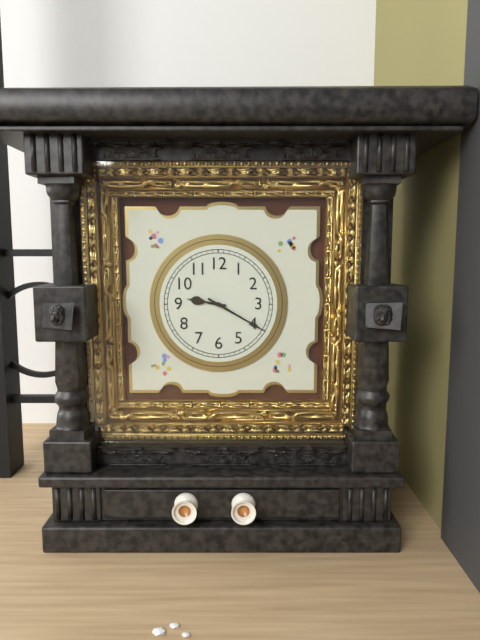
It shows 9:20
